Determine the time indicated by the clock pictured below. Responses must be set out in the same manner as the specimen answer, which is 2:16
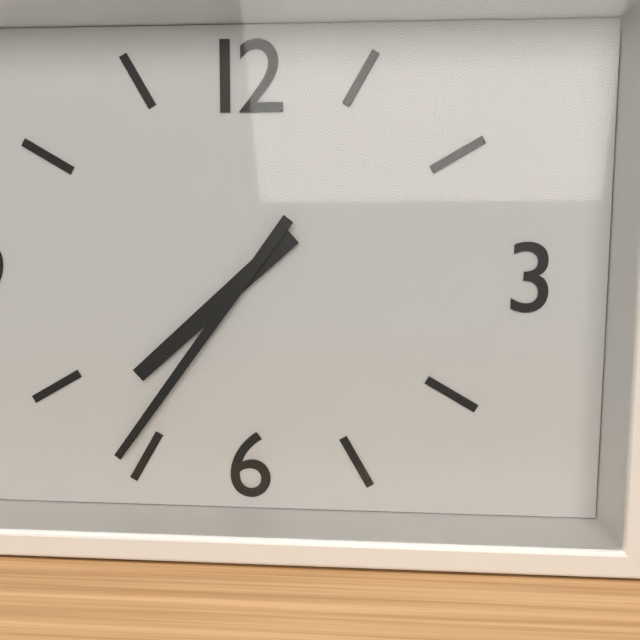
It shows 7:36
